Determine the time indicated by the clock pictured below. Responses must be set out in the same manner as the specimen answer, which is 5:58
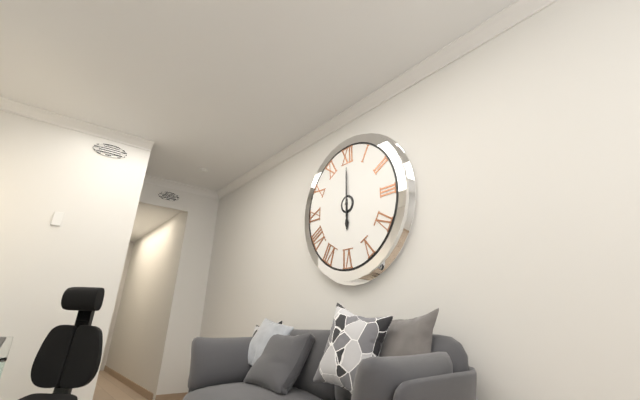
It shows 6:00
